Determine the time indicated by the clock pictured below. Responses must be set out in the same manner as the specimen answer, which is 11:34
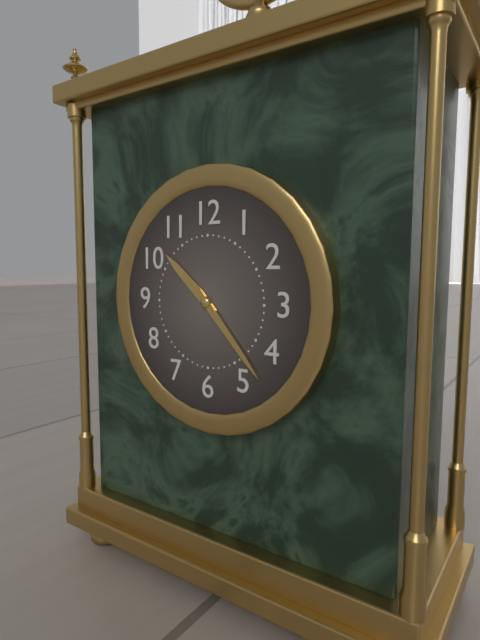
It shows 10:23
